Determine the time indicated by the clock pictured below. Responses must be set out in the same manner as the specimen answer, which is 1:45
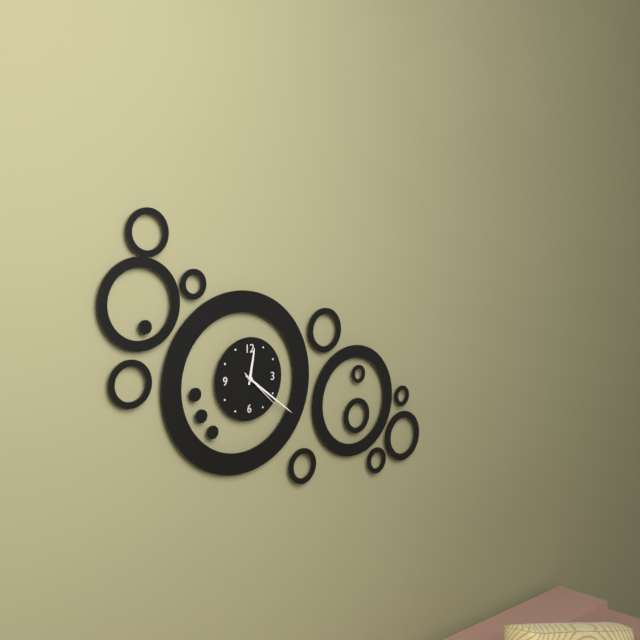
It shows 12:21
